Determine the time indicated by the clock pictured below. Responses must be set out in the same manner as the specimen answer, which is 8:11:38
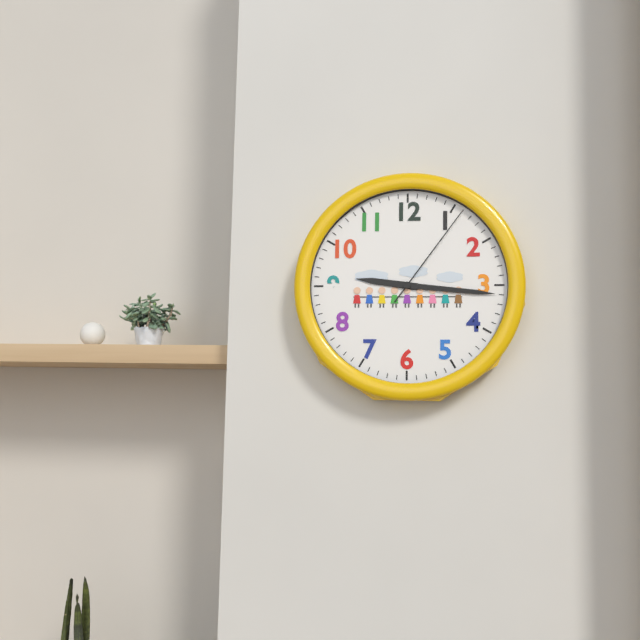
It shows 9:16:06
